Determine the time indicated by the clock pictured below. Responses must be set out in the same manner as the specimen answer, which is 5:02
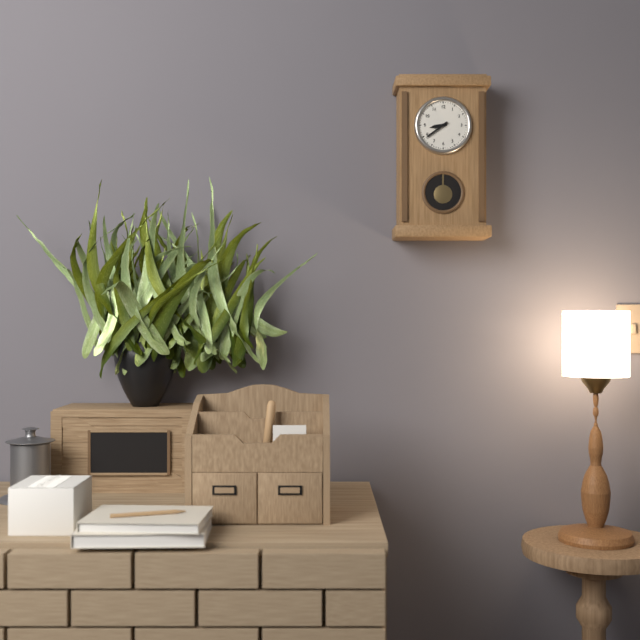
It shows 8:39
